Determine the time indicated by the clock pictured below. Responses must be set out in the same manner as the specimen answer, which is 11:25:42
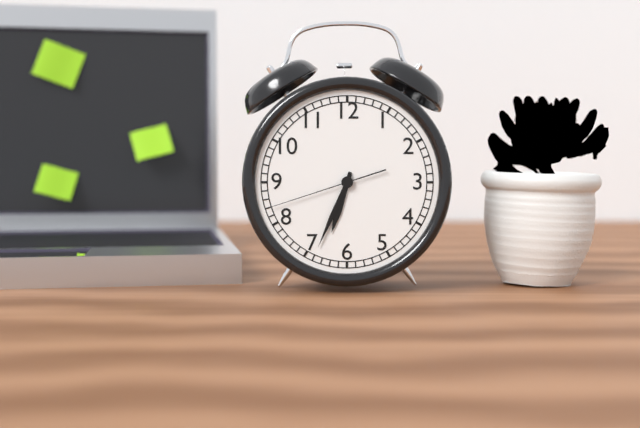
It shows 6:34:42
